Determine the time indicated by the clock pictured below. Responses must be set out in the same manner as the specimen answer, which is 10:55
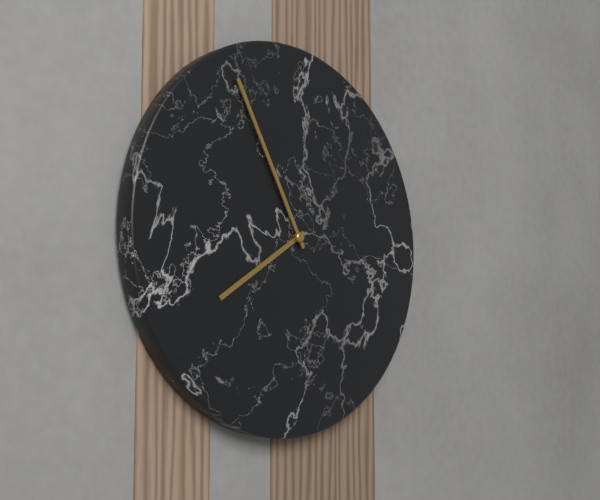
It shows 7:55
